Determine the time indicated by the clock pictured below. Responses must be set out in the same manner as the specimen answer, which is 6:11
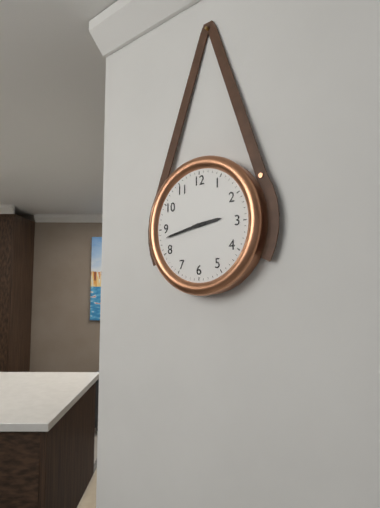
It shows 2:43
